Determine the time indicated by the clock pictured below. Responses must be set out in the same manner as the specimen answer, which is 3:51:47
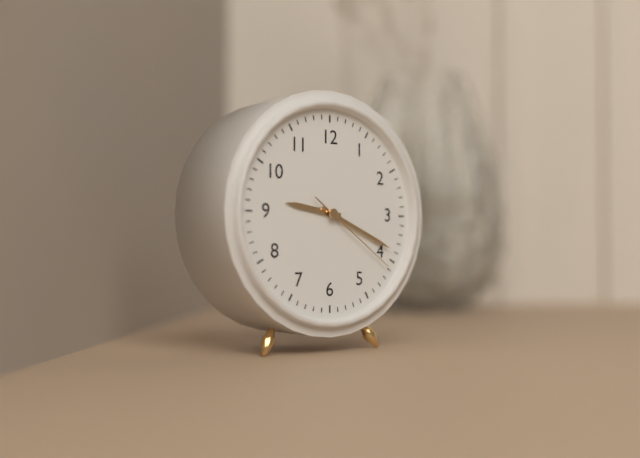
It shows 9:19:21
